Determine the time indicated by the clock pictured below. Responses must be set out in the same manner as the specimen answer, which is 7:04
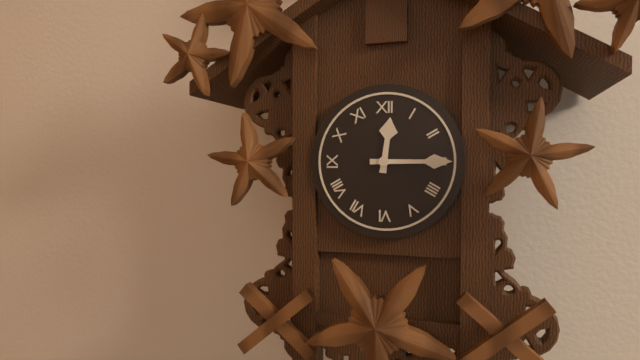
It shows 12:15
